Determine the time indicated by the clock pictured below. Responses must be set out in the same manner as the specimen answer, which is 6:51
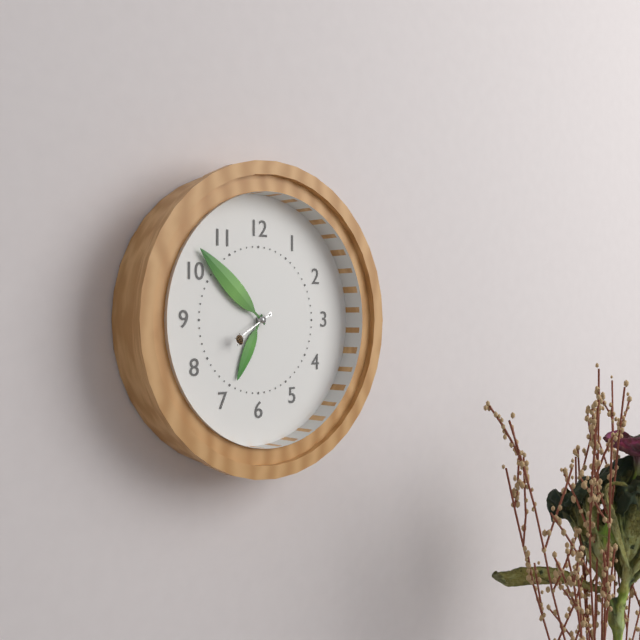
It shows 6:52
